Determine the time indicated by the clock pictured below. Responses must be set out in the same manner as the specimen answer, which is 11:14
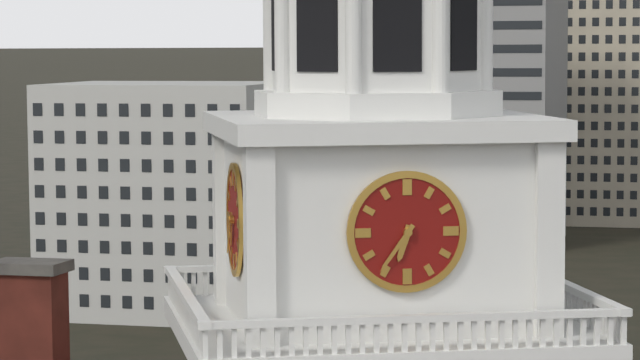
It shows 6:36
